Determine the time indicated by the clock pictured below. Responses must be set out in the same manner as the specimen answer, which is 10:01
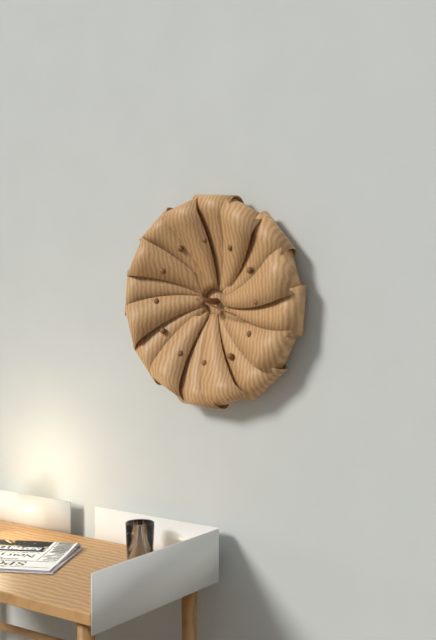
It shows 11:18
